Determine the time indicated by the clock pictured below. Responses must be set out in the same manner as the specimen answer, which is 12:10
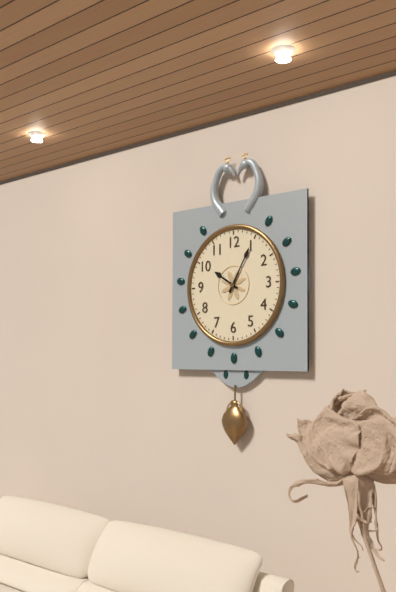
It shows 10:05
